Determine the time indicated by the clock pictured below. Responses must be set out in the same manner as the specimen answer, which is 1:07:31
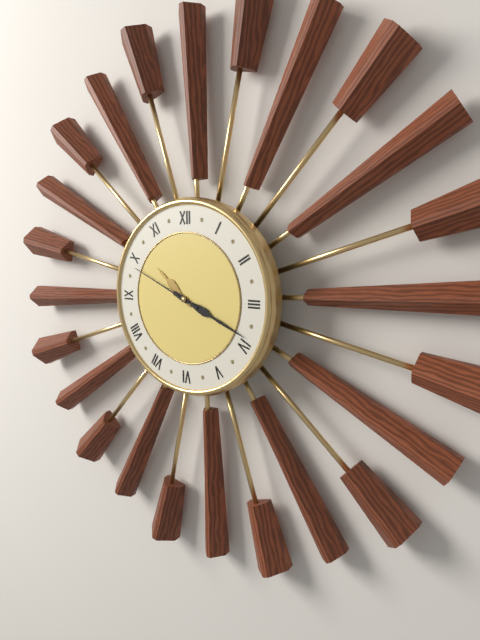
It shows 10:19:49
